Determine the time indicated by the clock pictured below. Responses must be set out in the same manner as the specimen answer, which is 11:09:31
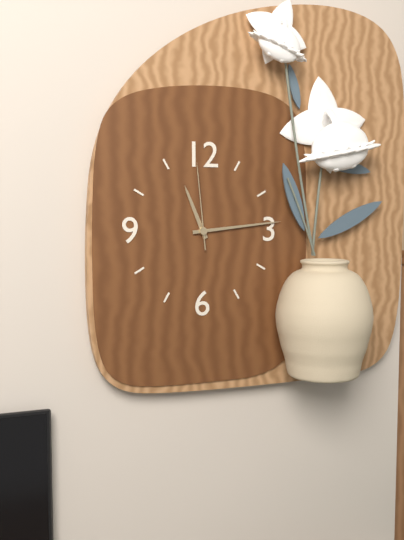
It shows 11:14:59
